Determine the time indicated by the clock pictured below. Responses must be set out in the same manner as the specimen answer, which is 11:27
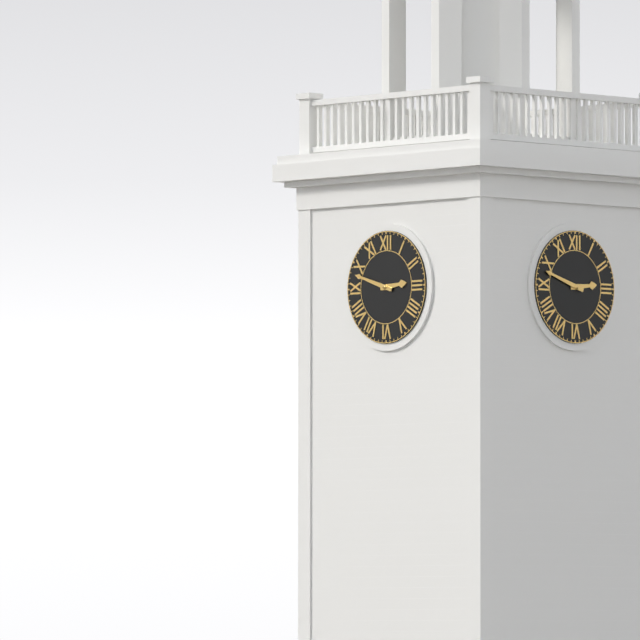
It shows 2:48
